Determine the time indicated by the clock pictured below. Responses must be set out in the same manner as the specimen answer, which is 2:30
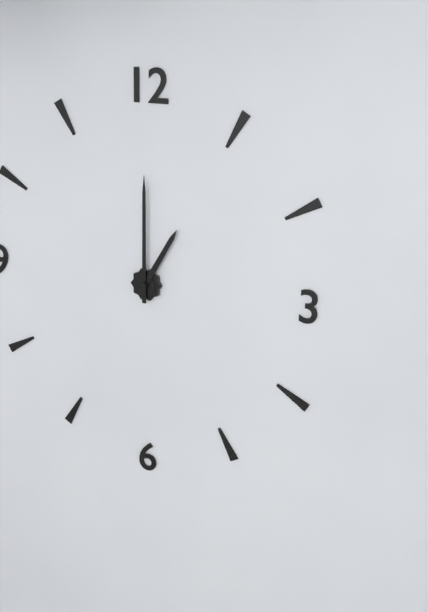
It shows 1:00
